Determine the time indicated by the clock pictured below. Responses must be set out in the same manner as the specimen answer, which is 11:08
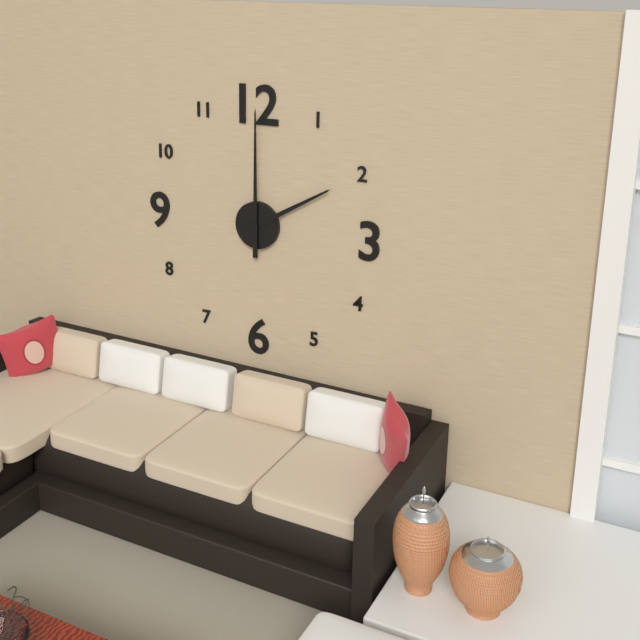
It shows 2:00
